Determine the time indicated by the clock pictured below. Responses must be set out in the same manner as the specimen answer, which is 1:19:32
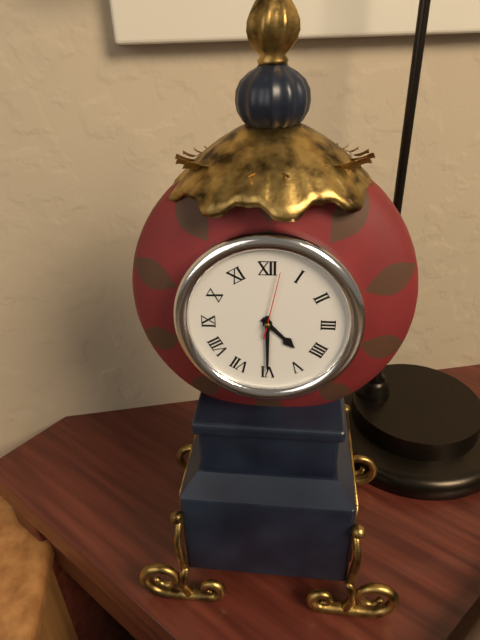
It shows 4:30:02
